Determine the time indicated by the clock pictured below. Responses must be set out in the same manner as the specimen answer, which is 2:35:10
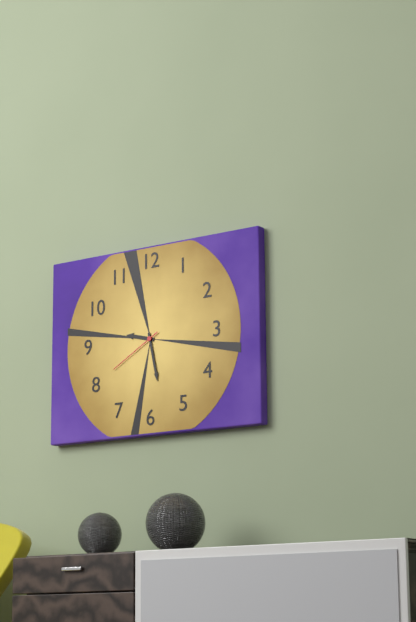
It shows 9:28:40
